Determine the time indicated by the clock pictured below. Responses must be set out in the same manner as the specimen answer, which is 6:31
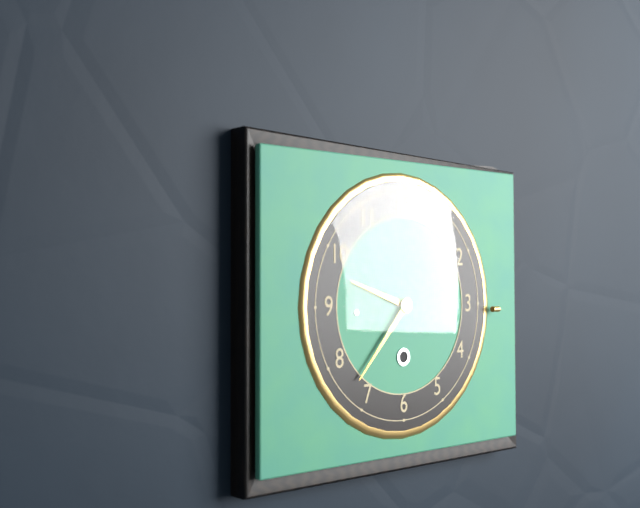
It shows 9:37
